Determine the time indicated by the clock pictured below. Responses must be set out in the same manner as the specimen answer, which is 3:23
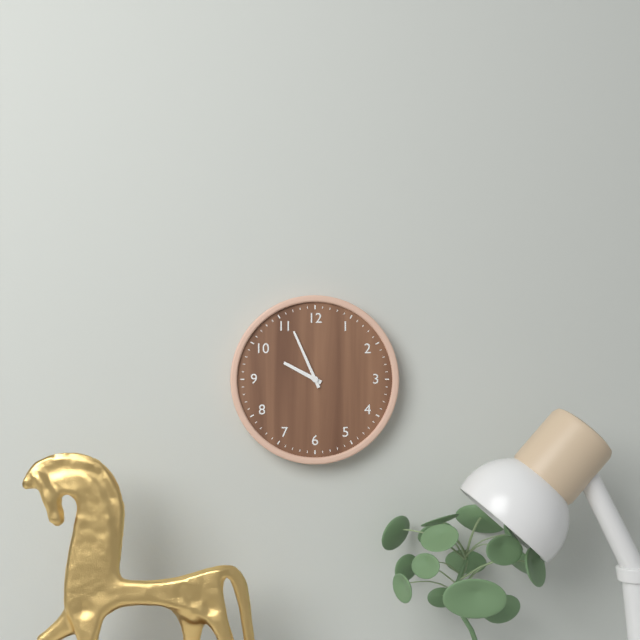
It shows 9:56
